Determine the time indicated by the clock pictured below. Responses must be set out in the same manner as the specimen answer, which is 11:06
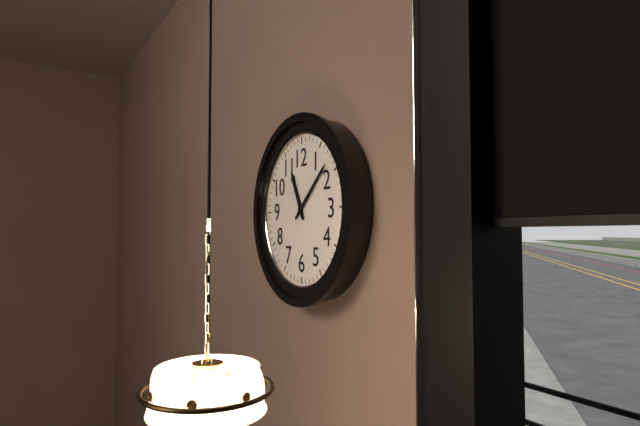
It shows 11:08
